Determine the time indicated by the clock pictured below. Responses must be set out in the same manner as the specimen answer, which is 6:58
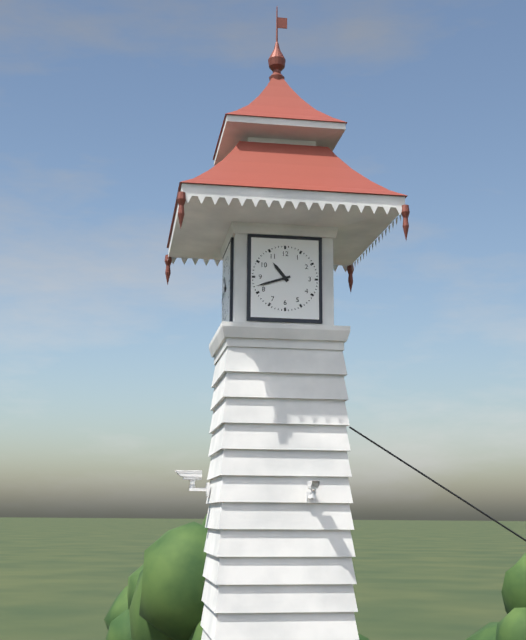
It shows 10:42
